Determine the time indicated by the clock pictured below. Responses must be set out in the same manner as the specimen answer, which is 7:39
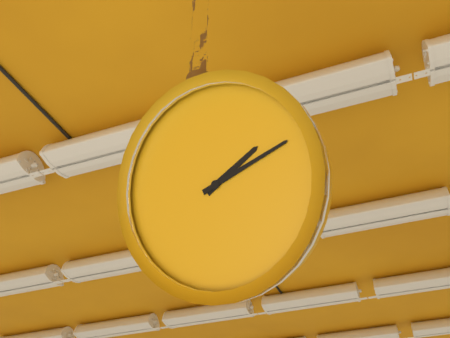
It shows 2:13
